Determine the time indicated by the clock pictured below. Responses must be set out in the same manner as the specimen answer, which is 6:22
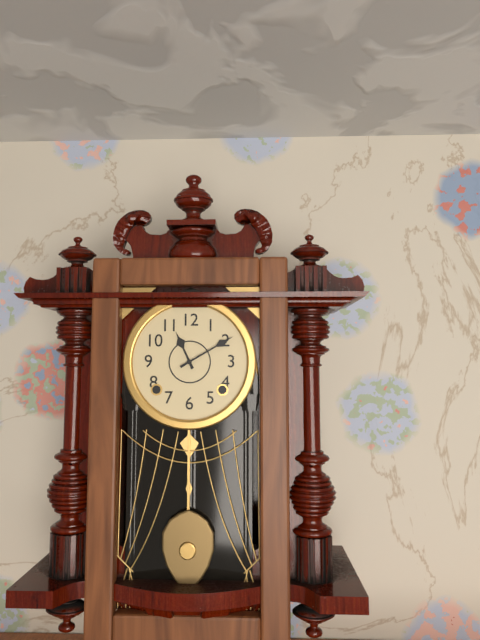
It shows 11:10
